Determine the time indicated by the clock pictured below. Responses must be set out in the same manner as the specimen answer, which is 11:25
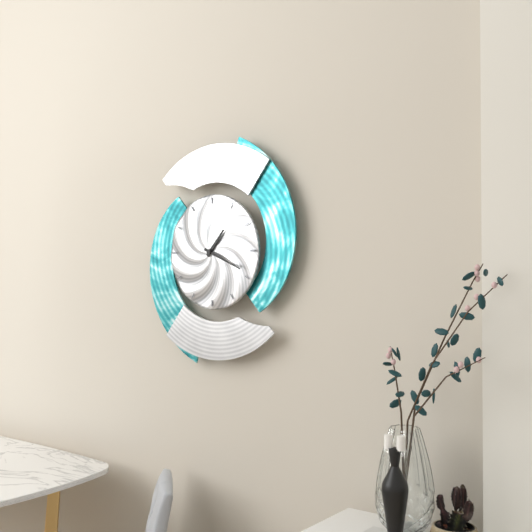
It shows 1:19
